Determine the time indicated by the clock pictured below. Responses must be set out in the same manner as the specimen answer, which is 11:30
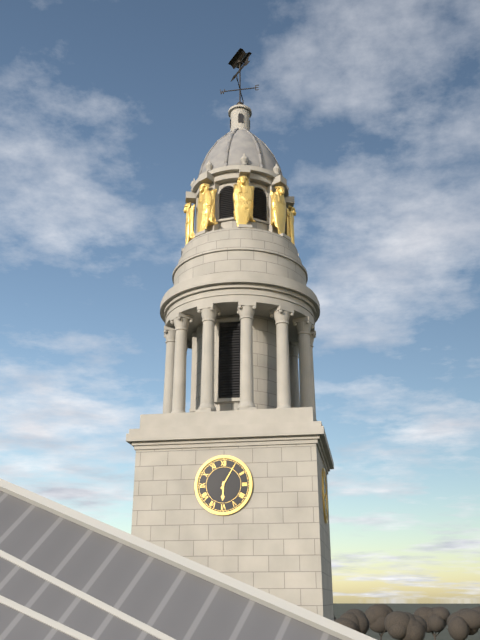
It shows 6:05
